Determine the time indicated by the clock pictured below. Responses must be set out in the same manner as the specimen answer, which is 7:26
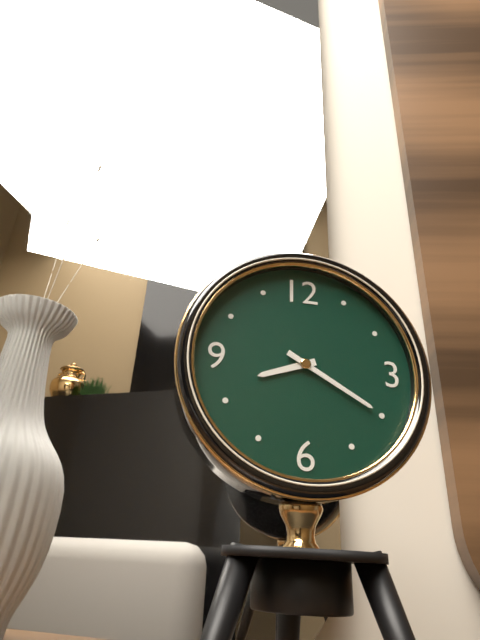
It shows 8:20
